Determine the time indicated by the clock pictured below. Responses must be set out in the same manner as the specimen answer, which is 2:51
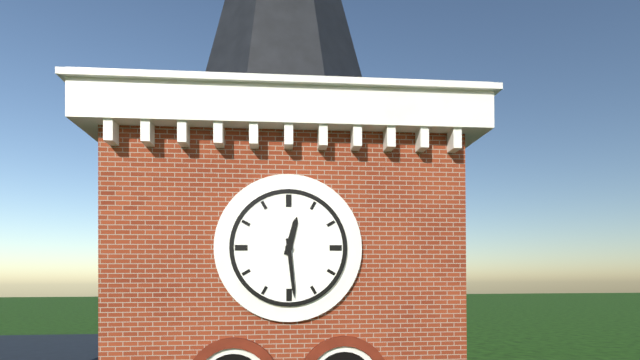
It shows 12:29
